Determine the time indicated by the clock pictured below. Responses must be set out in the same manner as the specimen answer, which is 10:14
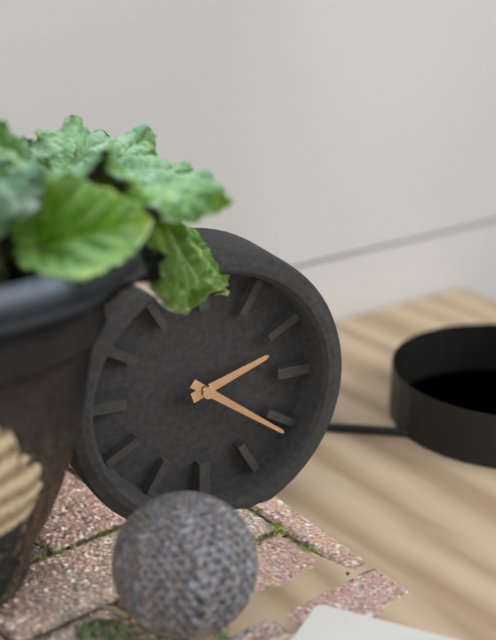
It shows 2:21
